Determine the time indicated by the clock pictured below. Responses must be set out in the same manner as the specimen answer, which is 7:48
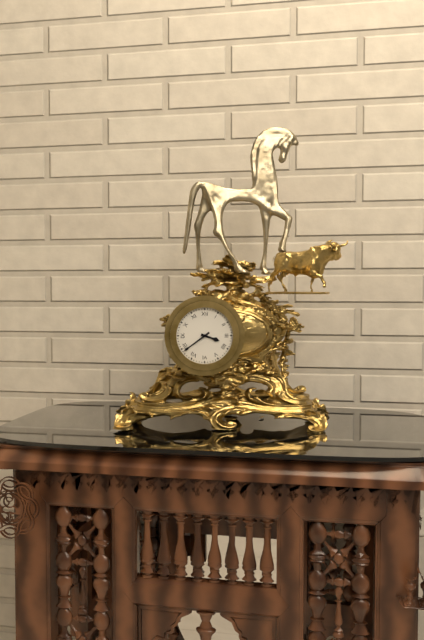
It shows 3:39
